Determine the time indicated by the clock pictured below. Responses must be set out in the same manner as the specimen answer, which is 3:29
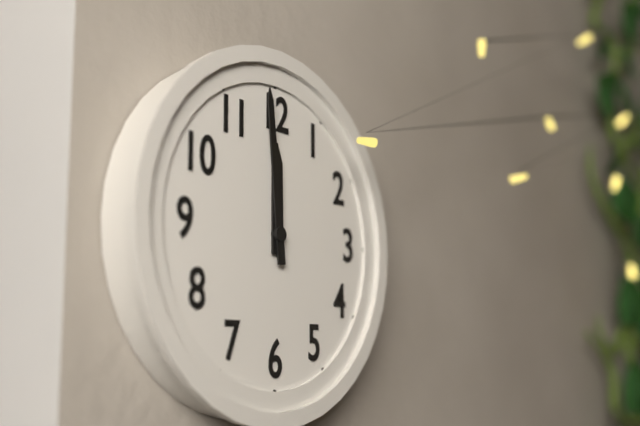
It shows 11:59
